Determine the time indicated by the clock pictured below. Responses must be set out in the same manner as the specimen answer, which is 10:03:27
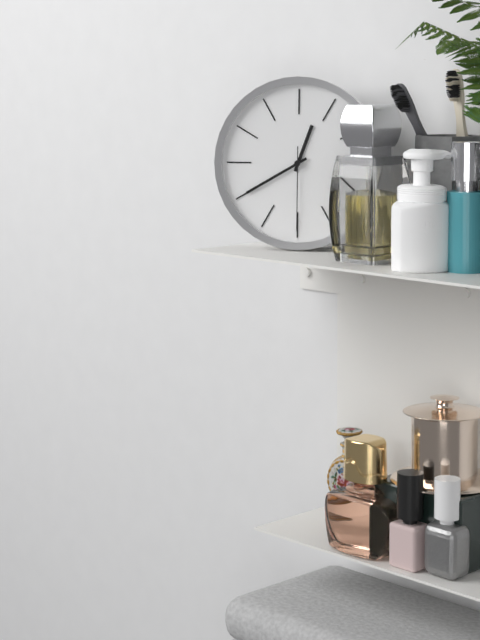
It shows 12:40:30
